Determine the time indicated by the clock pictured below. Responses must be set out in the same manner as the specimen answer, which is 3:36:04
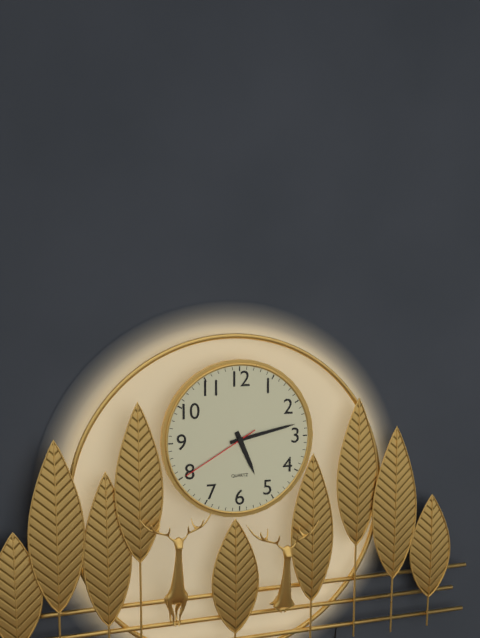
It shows 5:13:40
